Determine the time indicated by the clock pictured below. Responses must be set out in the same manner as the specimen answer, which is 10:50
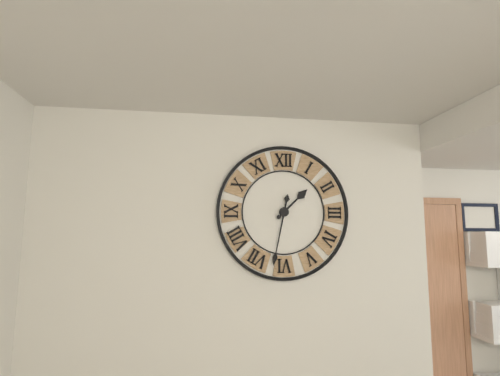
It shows 1:32
